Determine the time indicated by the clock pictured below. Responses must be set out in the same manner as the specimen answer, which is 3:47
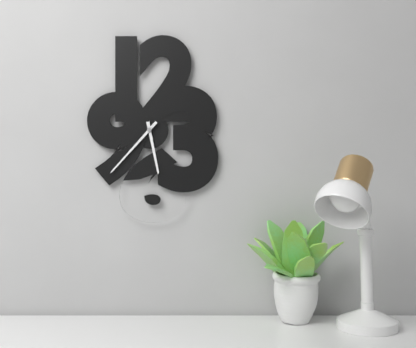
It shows 5:37
